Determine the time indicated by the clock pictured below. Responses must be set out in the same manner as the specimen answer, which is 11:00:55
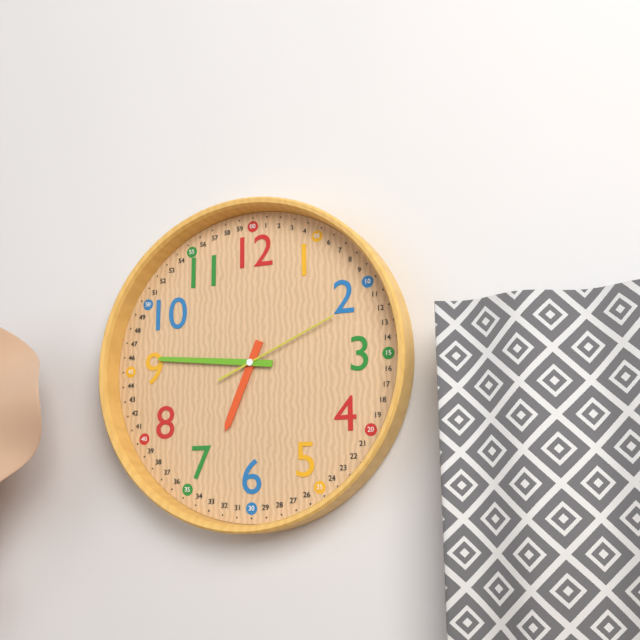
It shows 6:46:11
